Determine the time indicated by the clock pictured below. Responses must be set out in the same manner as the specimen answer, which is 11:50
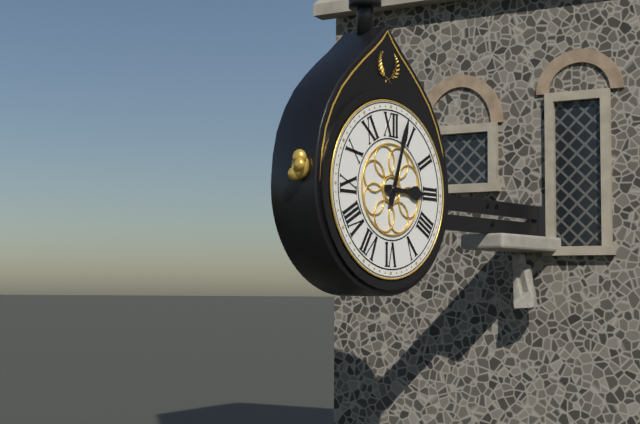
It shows 3:03
